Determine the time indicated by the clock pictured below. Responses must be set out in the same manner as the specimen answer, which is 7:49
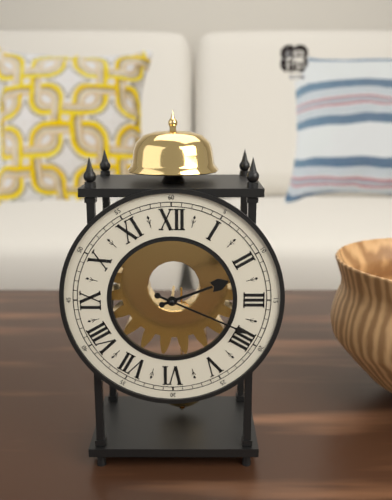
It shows 2:19
